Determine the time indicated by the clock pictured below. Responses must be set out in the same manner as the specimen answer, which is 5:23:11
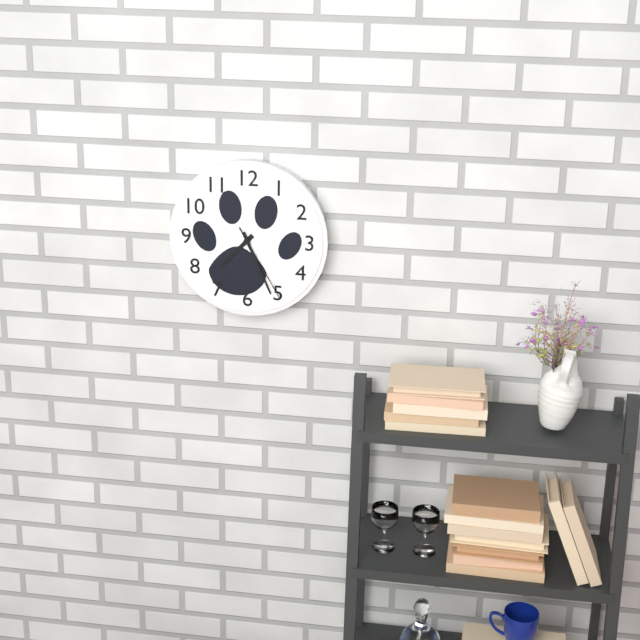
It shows 7:26:25
